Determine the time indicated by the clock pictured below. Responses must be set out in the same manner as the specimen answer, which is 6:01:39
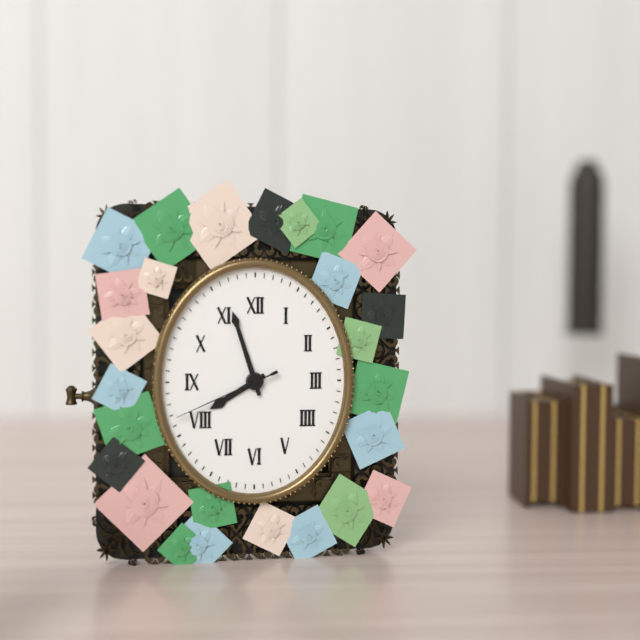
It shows 7:57:41
